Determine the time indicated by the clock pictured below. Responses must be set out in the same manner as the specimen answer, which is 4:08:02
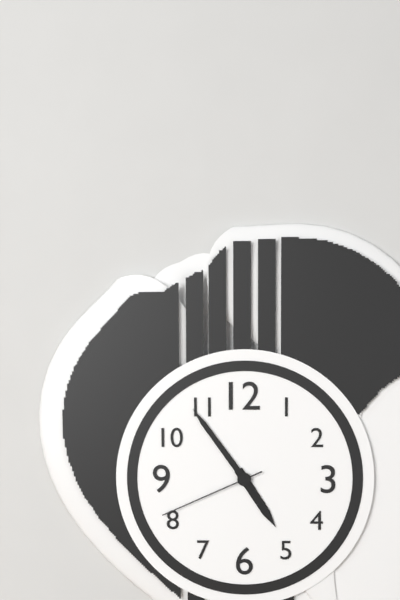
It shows 4:54:41
